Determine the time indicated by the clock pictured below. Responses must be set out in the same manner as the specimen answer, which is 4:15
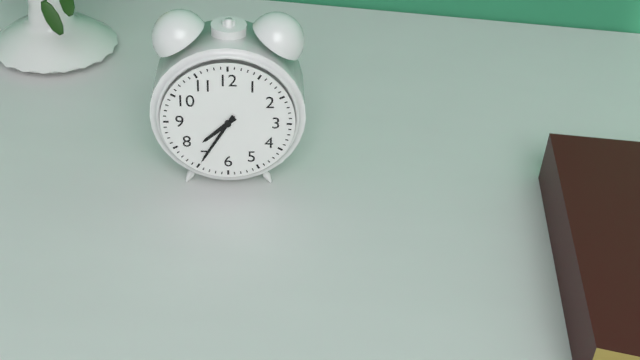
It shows 7:35
